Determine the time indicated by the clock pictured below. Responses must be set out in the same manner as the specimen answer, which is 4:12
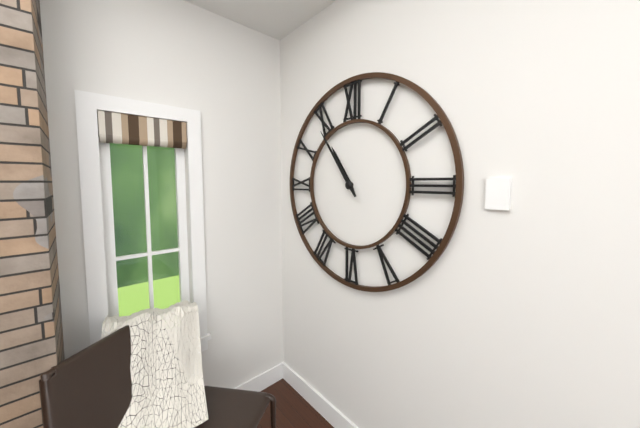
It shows 10:54
